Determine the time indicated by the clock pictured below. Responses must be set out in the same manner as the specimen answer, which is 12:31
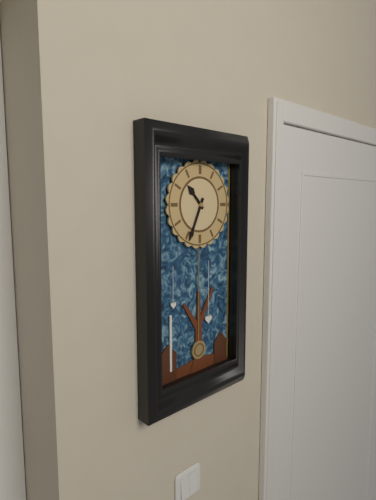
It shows 10:34
